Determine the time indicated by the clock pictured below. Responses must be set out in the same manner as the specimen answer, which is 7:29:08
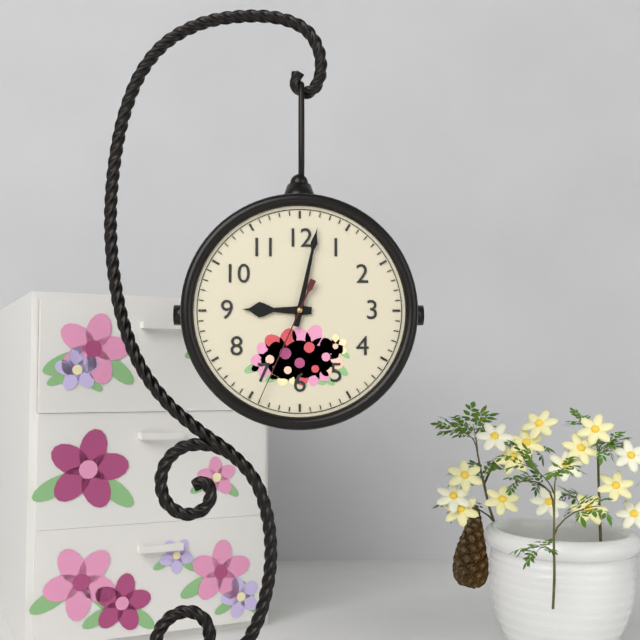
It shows 9:02:34
